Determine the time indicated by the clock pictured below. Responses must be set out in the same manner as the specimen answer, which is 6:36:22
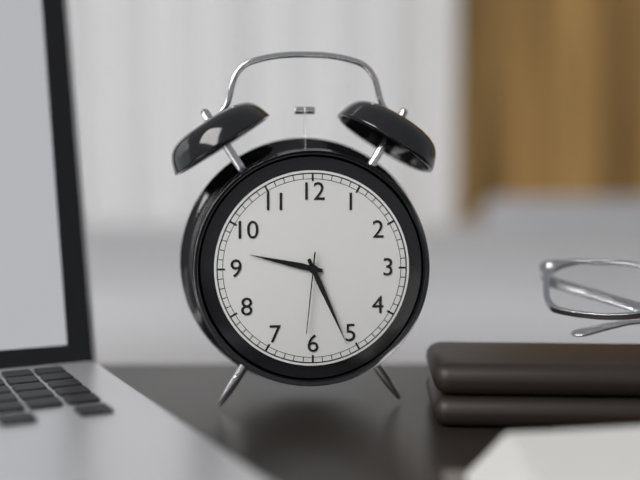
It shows 9:26:31
